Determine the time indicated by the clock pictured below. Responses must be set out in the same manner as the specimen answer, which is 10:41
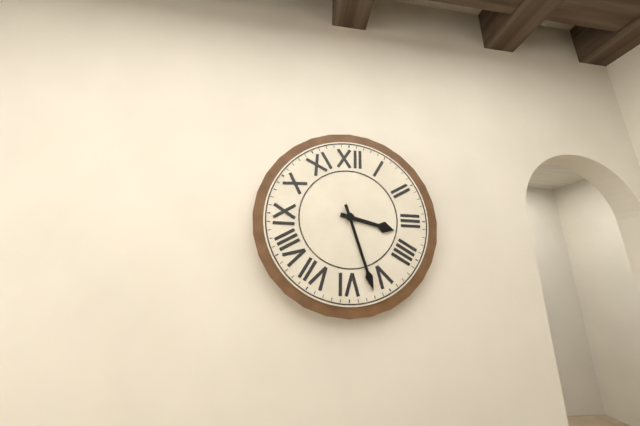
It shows 3:27
